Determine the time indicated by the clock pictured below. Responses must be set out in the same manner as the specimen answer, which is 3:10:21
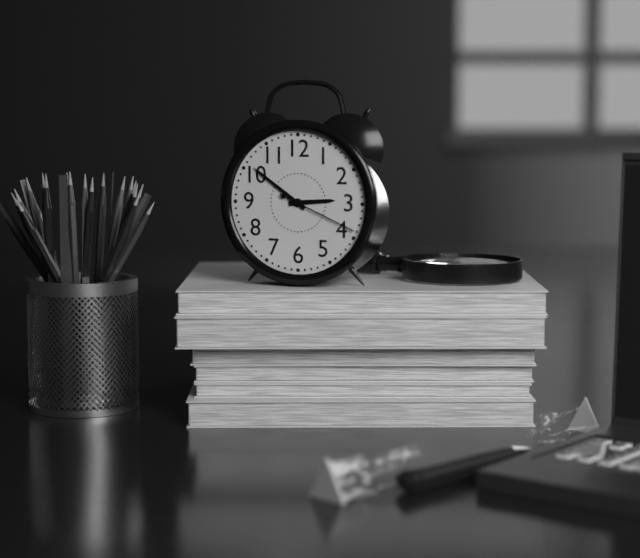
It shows 2:51:19
